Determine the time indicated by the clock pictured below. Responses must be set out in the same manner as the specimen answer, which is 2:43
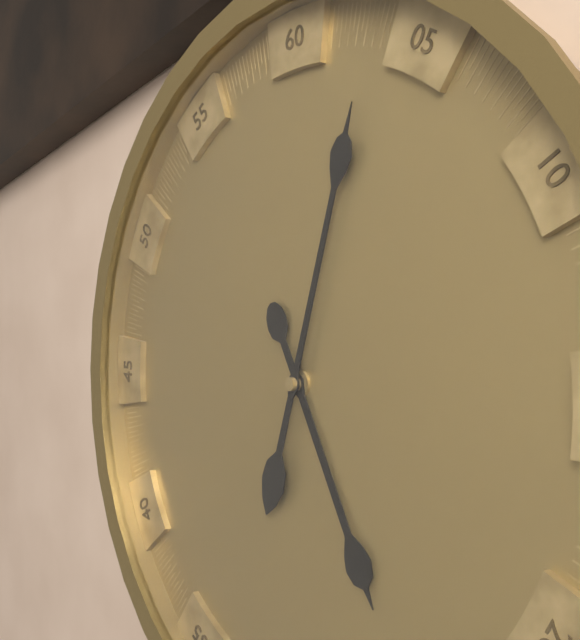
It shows 5:03
